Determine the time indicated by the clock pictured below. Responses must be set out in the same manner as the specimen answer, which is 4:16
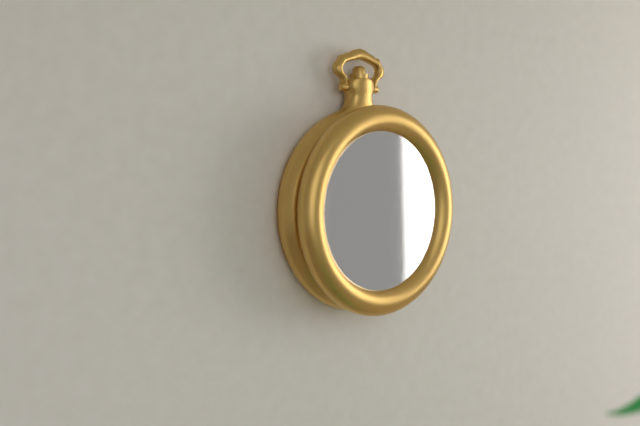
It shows 3:39
